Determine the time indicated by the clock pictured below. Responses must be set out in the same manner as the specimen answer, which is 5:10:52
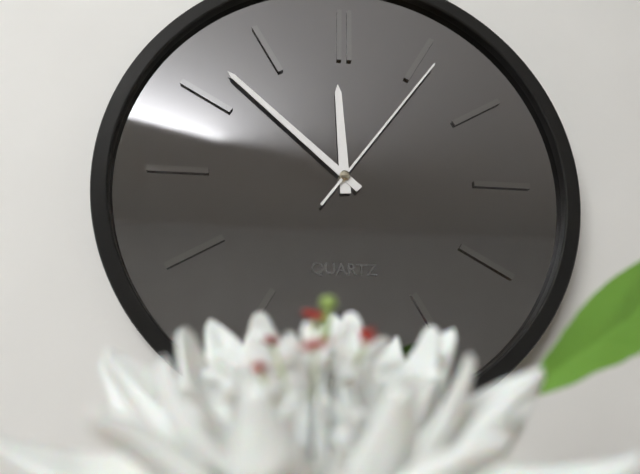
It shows 11:52:06
